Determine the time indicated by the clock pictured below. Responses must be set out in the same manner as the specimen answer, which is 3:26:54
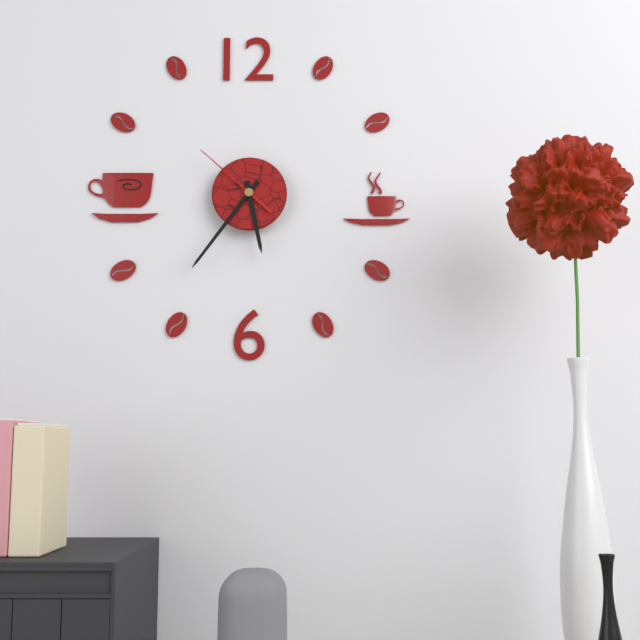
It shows 5:36:52
